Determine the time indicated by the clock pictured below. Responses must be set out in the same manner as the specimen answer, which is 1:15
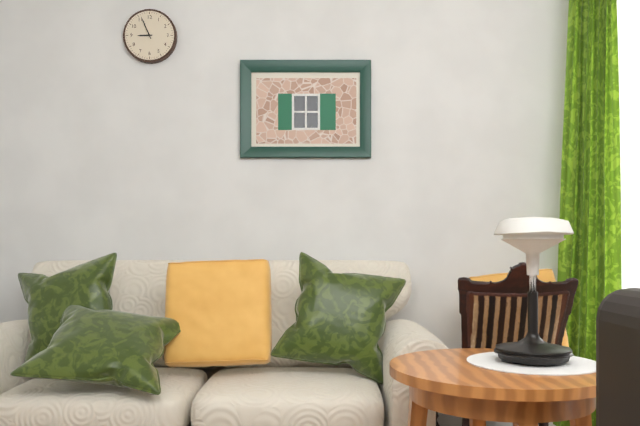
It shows 8:56
